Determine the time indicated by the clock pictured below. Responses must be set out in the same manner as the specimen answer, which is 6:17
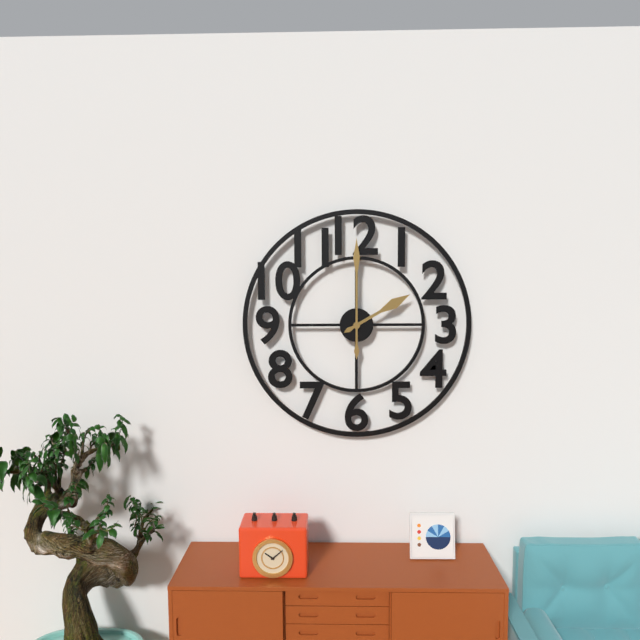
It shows 2:00
